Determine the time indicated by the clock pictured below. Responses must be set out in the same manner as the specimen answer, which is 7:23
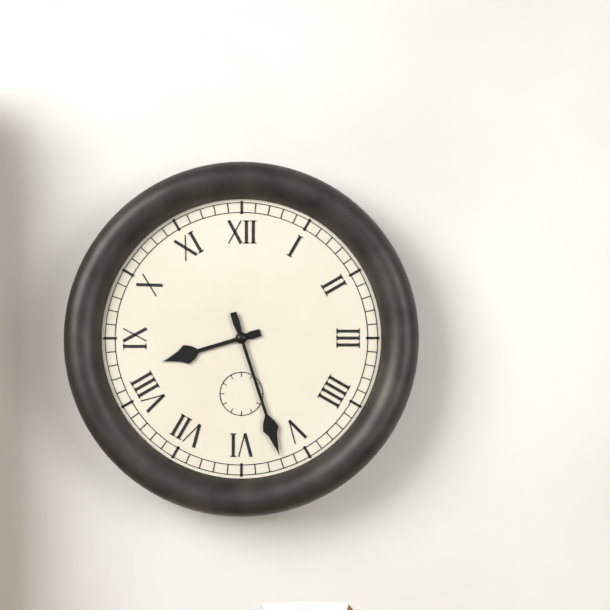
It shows 8:27
